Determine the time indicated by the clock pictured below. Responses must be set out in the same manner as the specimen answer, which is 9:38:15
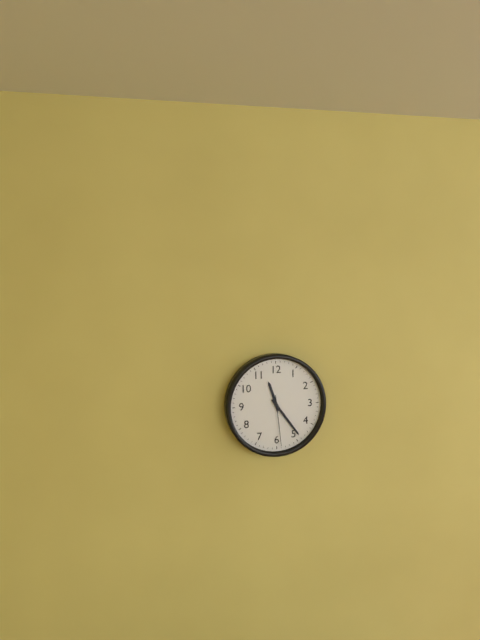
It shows 11:24:29
